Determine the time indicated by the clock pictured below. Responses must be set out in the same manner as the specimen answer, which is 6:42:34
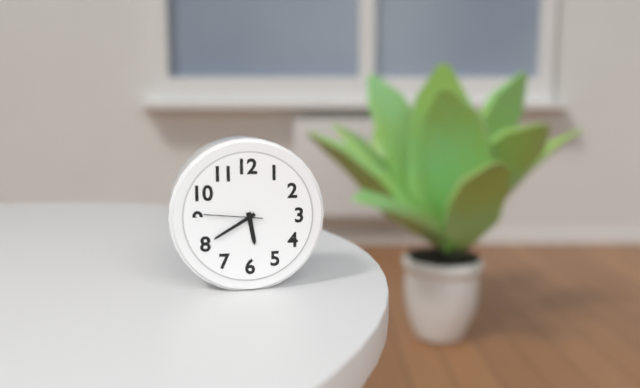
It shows 5:40:46
